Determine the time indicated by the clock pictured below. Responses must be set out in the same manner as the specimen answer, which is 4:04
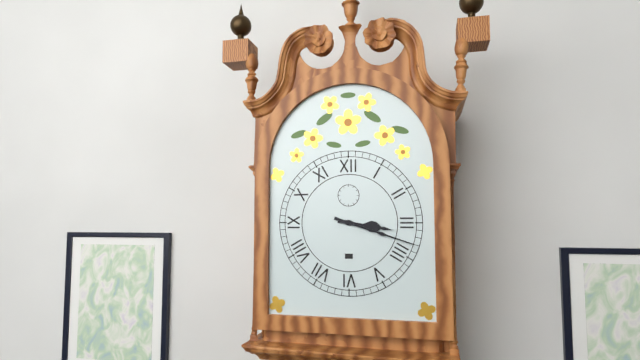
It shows 3:18
